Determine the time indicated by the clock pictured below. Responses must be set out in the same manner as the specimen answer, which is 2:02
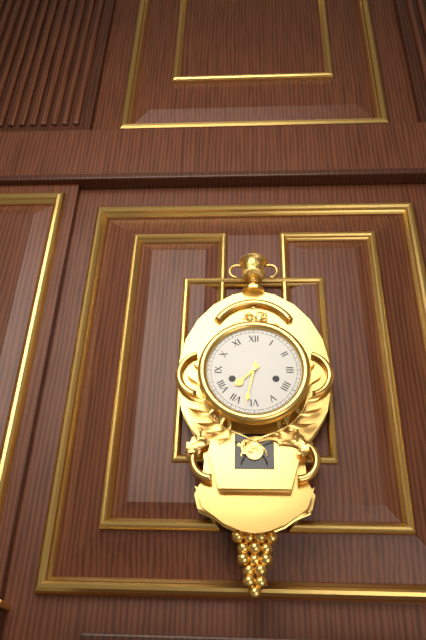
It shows 7:32
